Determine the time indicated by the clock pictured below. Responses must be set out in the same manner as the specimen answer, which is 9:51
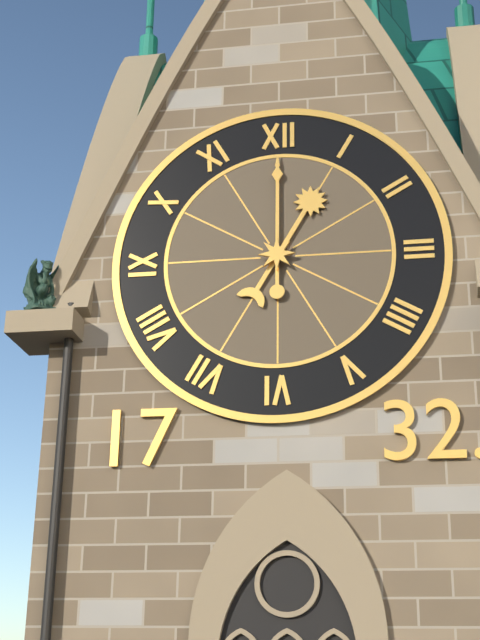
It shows 1:00
